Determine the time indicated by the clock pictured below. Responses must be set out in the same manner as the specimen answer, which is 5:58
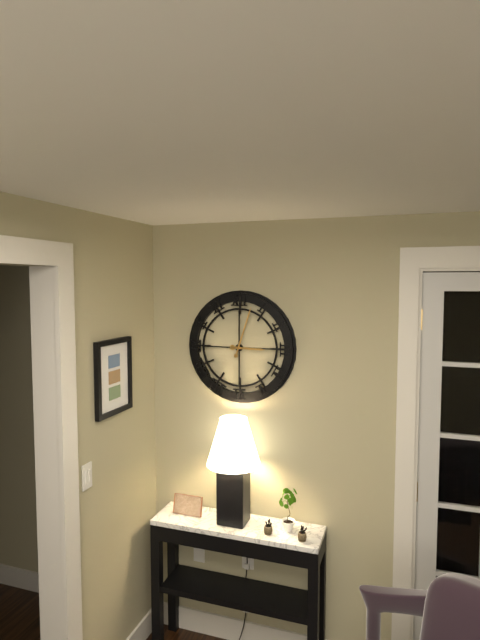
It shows 3:03
